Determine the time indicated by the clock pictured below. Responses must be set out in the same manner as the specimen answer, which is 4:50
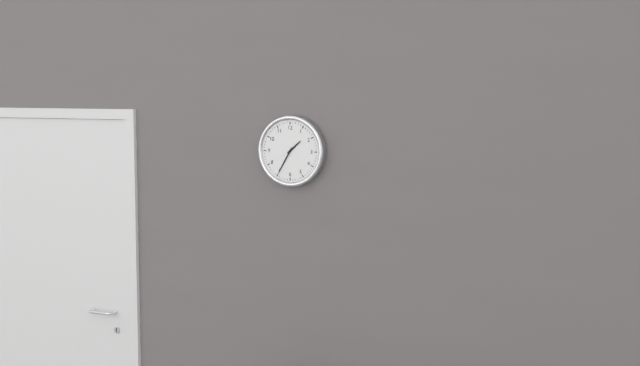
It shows 1:35
